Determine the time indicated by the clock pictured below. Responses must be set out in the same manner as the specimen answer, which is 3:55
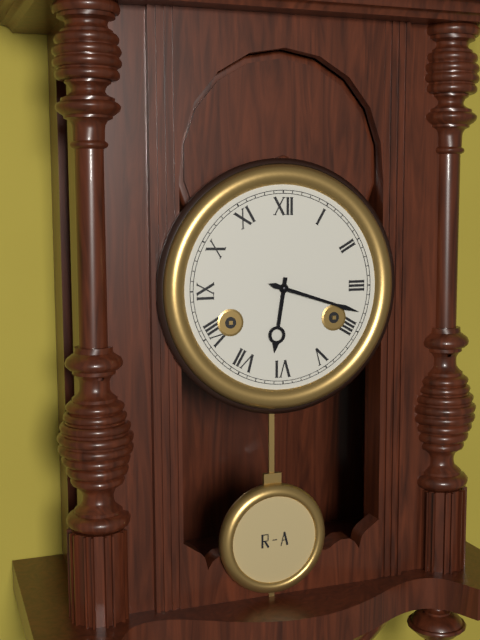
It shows 6:18
